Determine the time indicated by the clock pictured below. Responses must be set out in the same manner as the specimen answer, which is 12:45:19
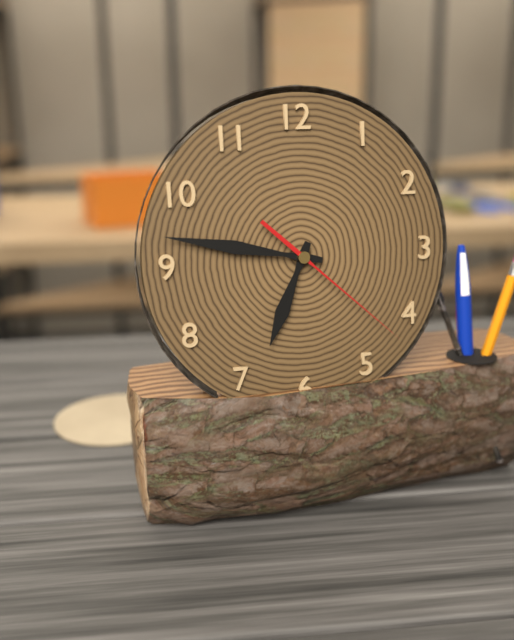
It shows 6:47:22
